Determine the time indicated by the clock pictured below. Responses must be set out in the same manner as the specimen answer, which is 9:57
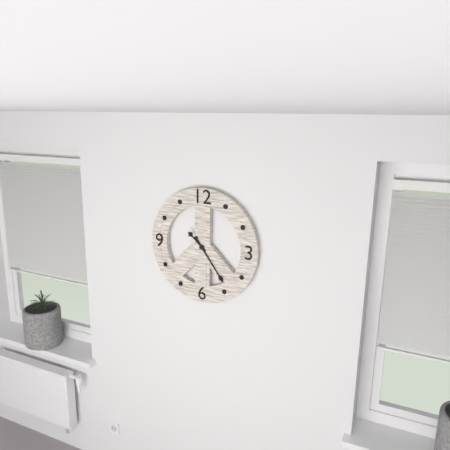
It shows 10:24
